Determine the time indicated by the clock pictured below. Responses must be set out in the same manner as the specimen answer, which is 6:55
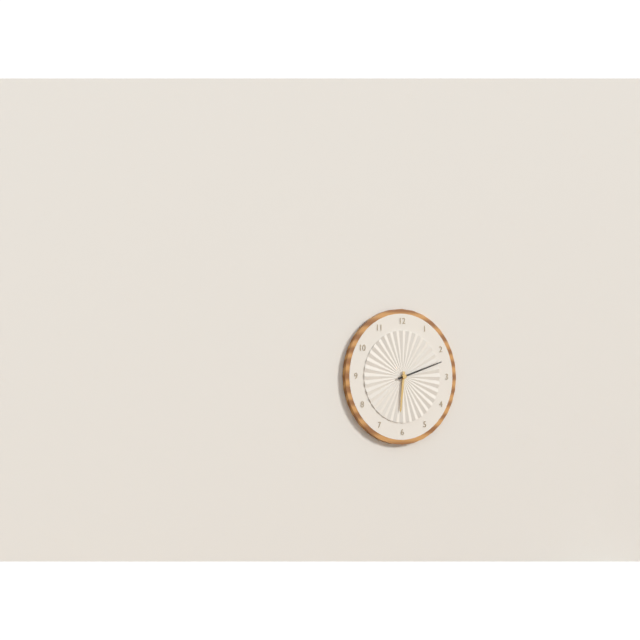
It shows 6:12
